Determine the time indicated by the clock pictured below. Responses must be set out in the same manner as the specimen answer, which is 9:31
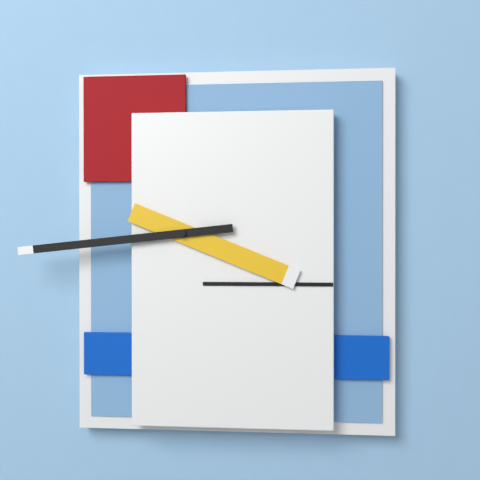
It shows 3:44
